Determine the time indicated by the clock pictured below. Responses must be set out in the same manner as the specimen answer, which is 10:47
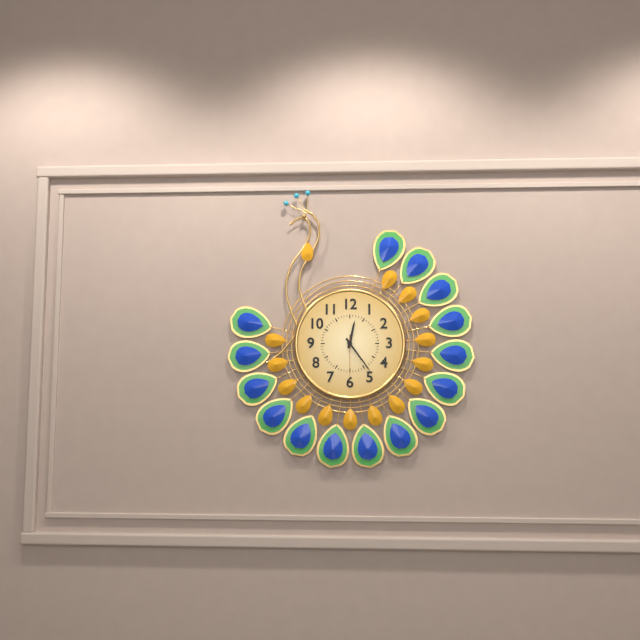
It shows 12:24
